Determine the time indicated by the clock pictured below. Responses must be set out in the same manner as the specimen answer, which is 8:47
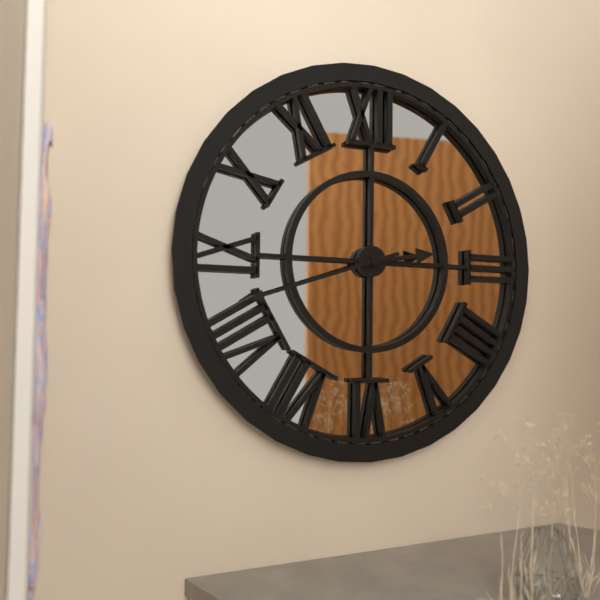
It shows 2:42
